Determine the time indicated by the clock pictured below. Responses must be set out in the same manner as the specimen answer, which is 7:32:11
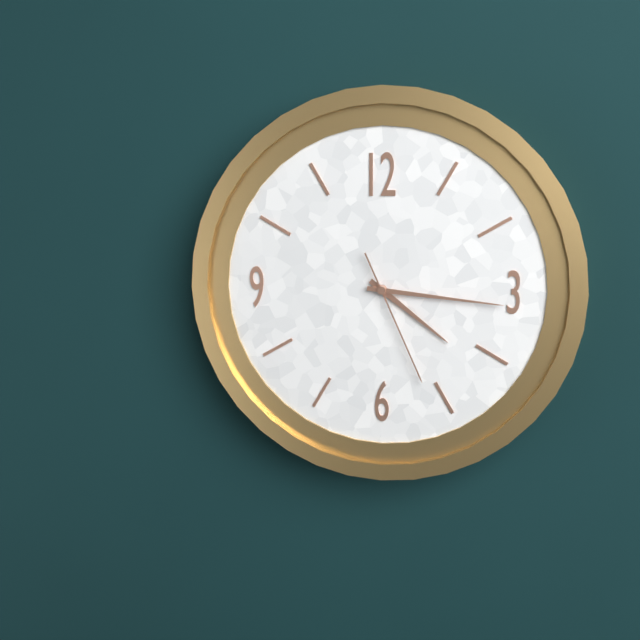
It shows 4:16:26
